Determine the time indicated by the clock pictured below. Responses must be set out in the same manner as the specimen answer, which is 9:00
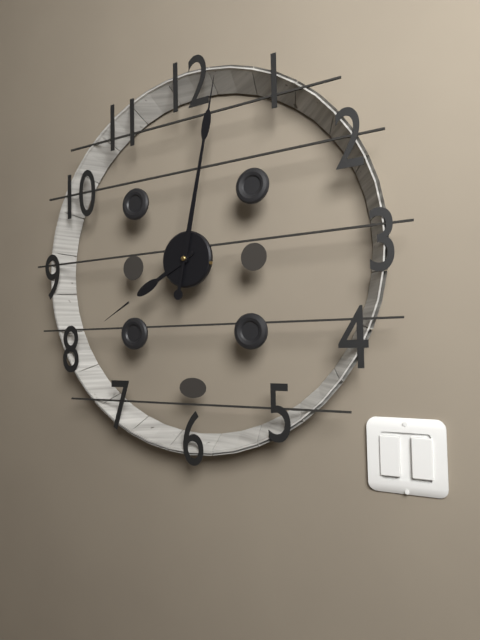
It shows 8:02
